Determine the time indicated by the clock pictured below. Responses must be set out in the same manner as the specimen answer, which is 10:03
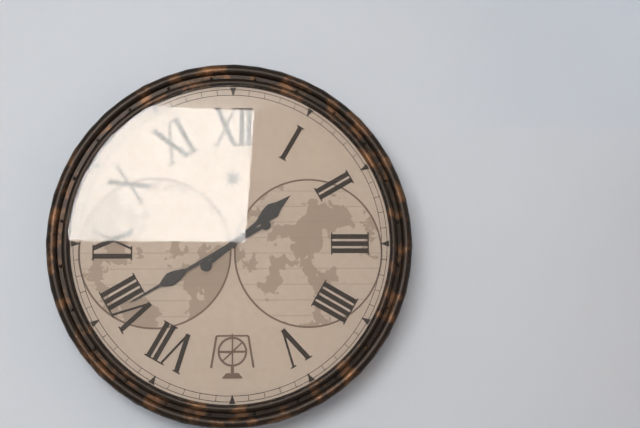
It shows 1:40
